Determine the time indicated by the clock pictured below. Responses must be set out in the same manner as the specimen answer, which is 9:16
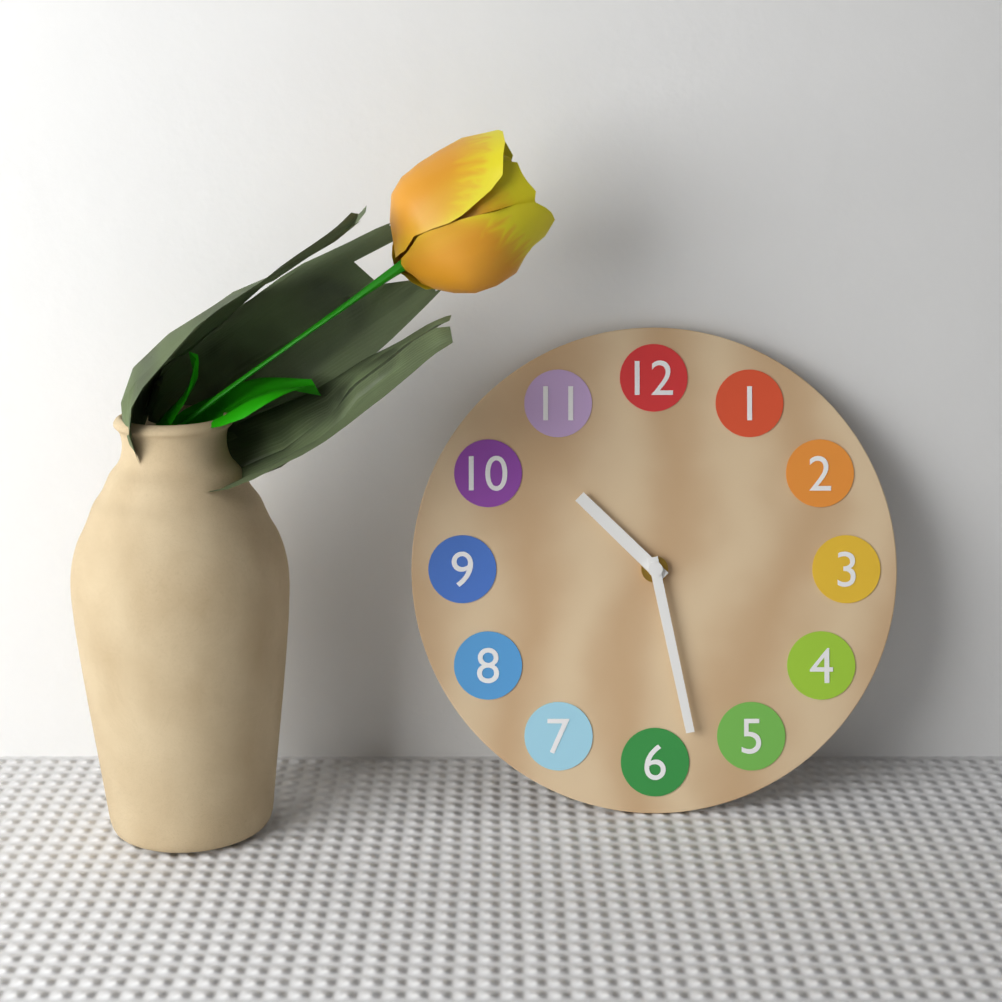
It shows 10:28
